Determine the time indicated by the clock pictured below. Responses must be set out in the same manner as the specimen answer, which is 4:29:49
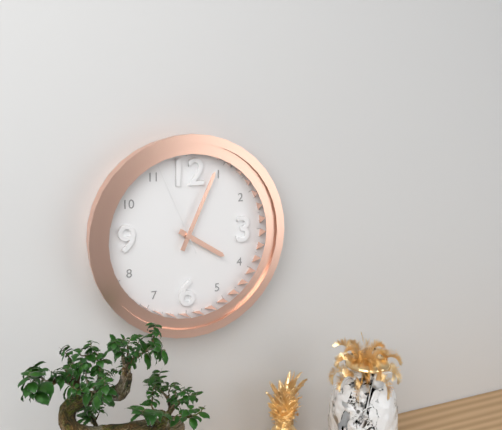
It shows 4:04:56
